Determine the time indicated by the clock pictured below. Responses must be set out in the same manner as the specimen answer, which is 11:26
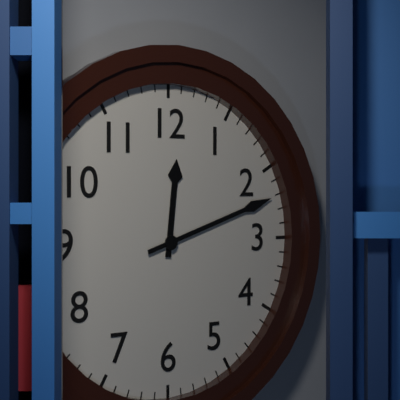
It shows 12:12
